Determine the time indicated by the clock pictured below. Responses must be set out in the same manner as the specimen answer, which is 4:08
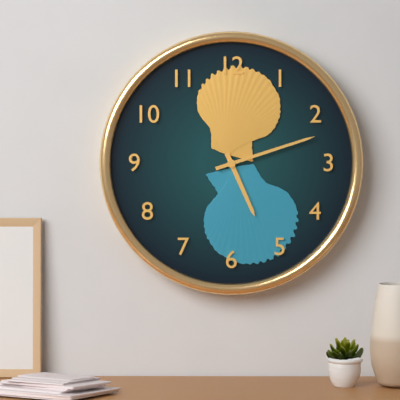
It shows 5:12
